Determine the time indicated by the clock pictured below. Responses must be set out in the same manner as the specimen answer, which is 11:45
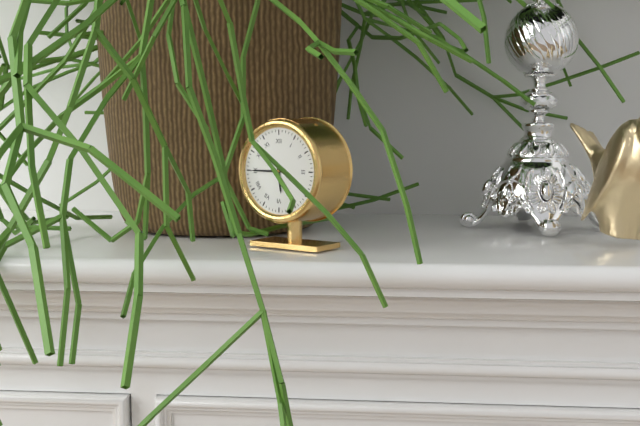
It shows 5:45
